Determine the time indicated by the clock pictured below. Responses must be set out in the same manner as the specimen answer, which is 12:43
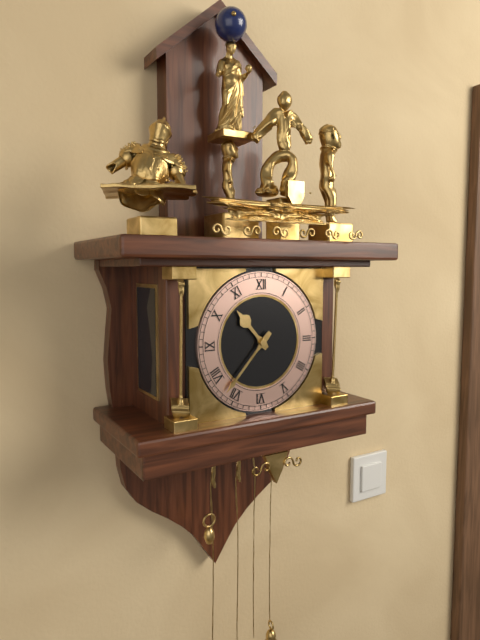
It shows 10:37
